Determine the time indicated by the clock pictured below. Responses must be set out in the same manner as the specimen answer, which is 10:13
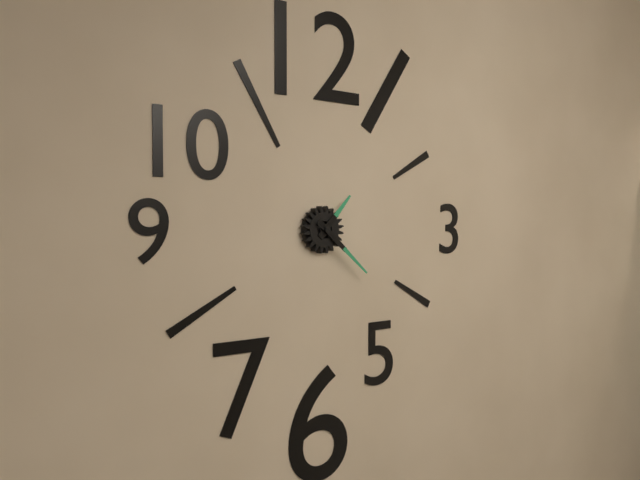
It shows 1:22
